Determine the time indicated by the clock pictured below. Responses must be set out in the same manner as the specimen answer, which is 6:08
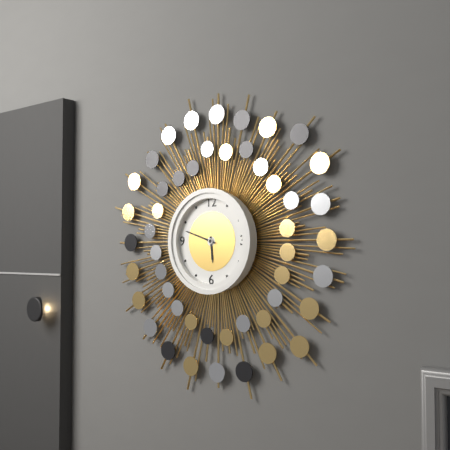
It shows 5:48
